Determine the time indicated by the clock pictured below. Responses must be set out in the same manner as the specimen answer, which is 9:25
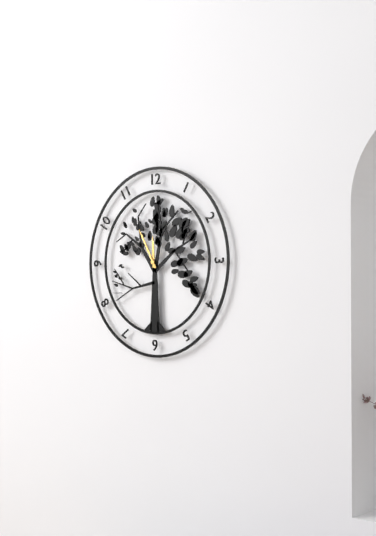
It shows 11:55
